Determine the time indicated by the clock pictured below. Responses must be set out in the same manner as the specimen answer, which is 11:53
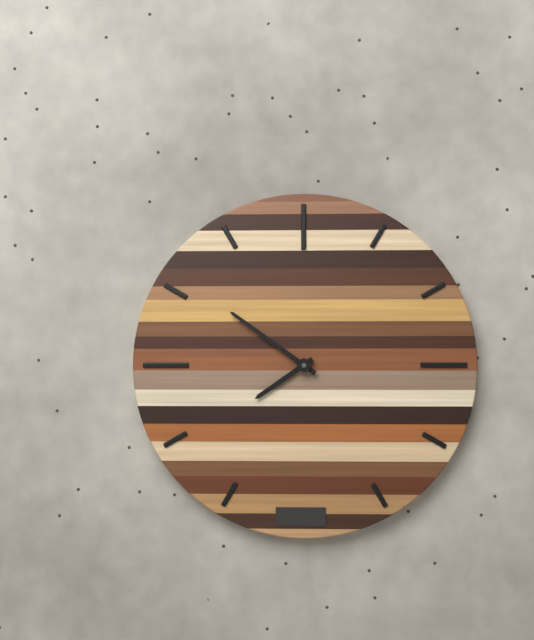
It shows 7:51
